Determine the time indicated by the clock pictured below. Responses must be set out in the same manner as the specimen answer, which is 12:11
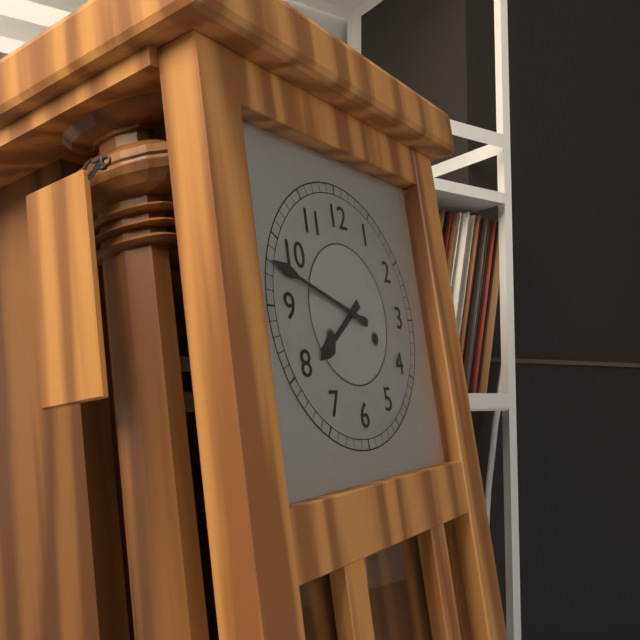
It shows 7:48
